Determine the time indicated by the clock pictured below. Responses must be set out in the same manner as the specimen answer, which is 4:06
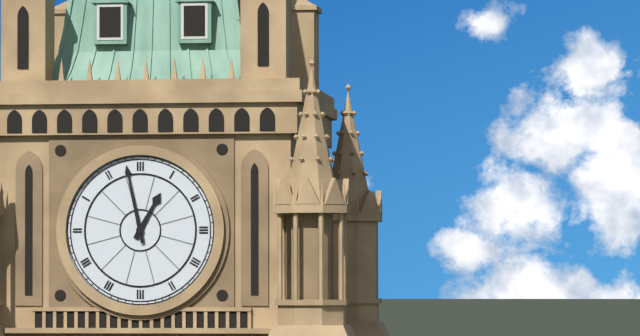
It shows 12:58
